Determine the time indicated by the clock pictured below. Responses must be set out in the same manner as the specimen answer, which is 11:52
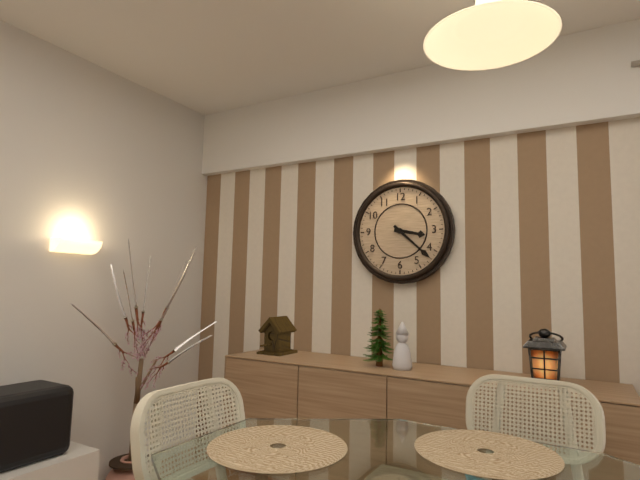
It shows 3:22
